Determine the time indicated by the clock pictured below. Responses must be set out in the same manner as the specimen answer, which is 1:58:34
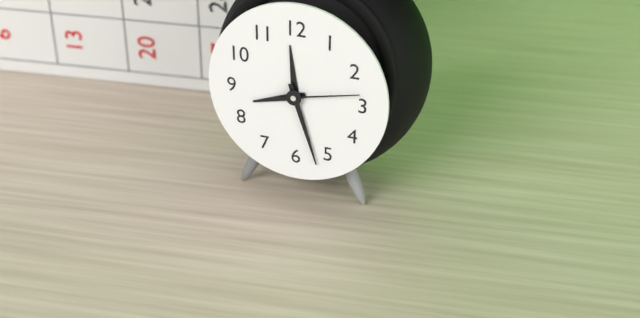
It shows 8:27:13
